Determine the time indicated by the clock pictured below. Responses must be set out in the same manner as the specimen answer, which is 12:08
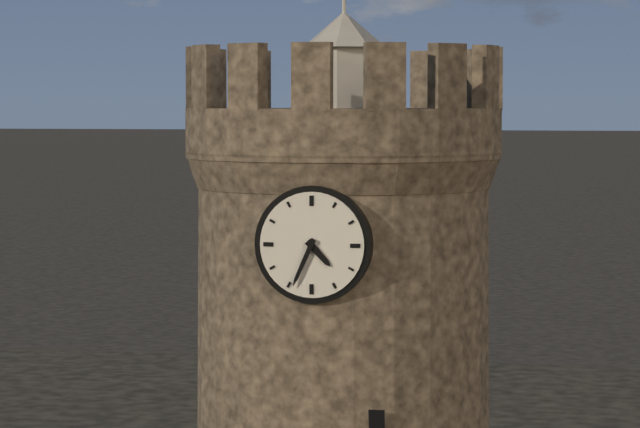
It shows 4:34
